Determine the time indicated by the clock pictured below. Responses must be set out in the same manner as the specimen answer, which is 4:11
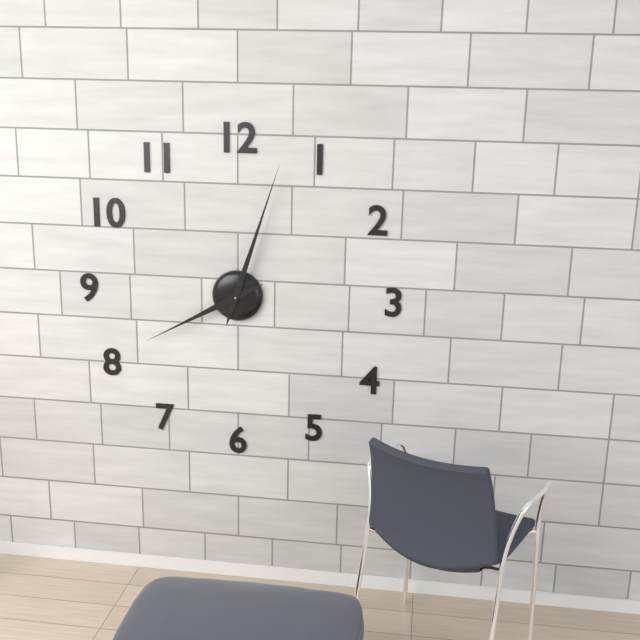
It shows 8:03
